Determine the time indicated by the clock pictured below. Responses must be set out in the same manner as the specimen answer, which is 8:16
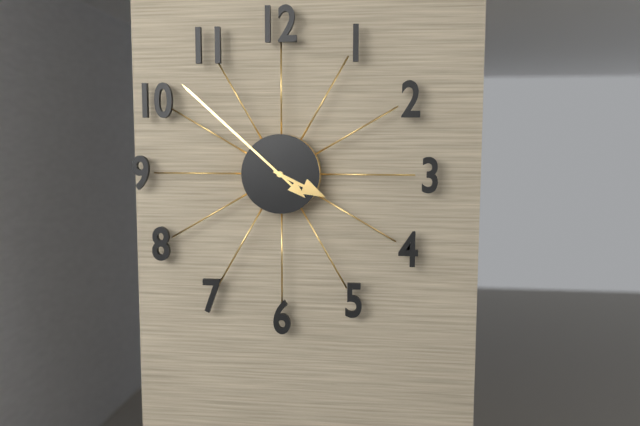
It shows 3:52
